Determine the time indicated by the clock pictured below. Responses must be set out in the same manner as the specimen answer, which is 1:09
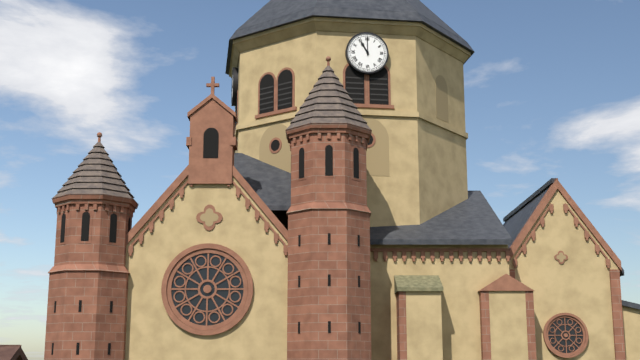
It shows 11:00
